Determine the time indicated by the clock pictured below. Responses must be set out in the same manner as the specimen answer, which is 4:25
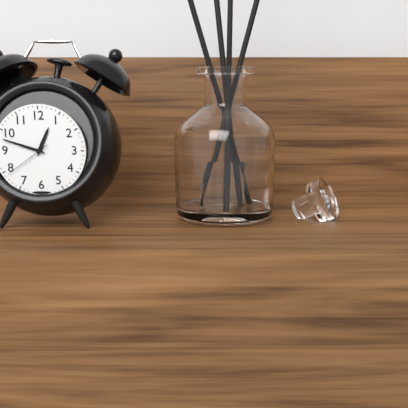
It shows 12:48
